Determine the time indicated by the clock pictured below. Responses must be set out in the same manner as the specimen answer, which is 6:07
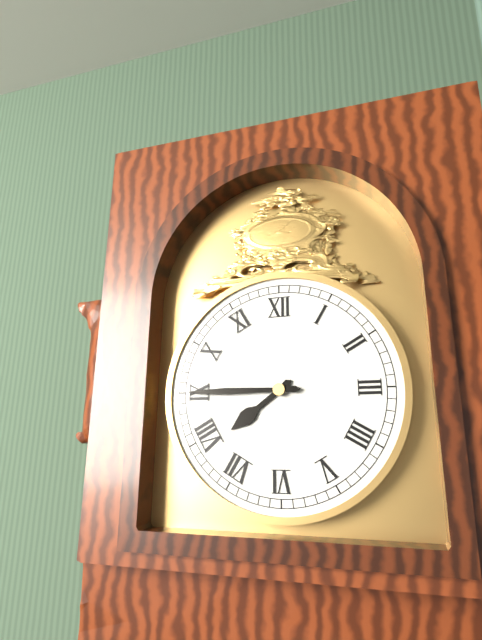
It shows 7:45
